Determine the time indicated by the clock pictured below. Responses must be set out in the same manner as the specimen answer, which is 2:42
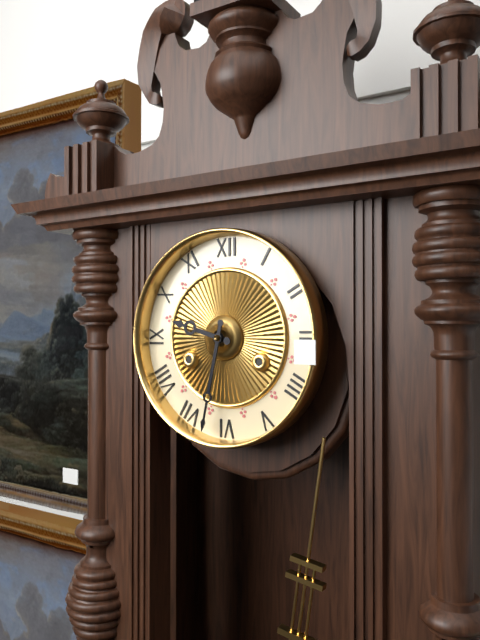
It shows 9:32
